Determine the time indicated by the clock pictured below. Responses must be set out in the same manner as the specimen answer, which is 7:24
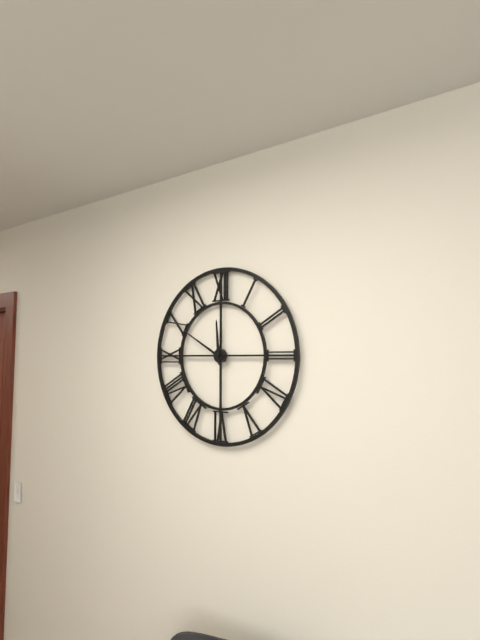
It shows 11:50
